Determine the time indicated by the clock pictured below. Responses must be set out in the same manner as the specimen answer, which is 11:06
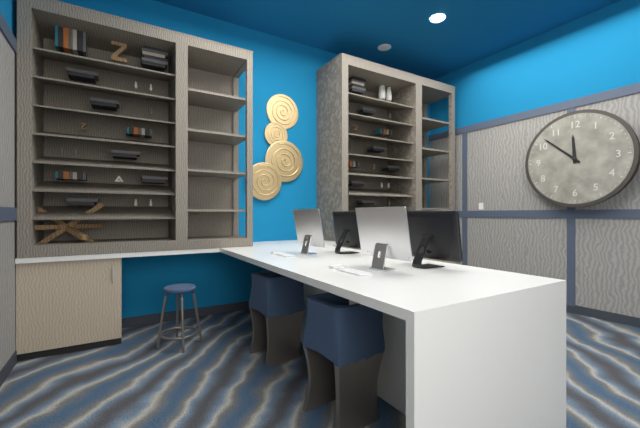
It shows 11:52
